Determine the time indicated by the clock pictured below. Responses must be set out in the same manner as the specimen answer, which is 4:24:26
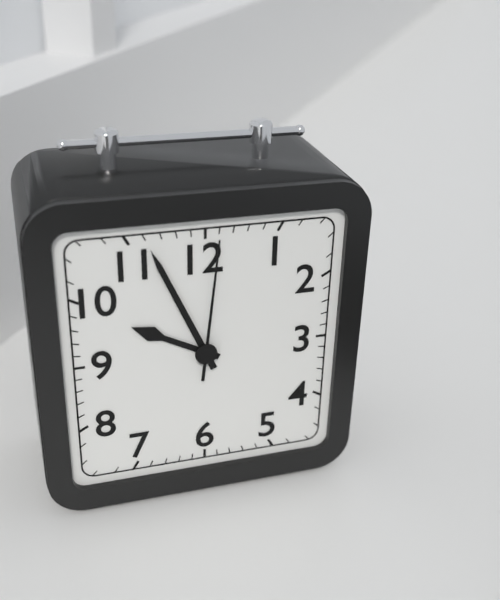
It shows 9:56:01
